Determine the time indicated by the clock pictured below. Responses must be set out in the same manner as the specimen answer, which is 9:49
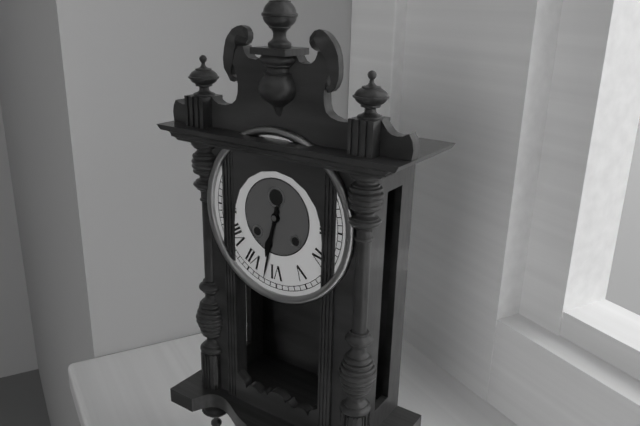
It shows 6:32
